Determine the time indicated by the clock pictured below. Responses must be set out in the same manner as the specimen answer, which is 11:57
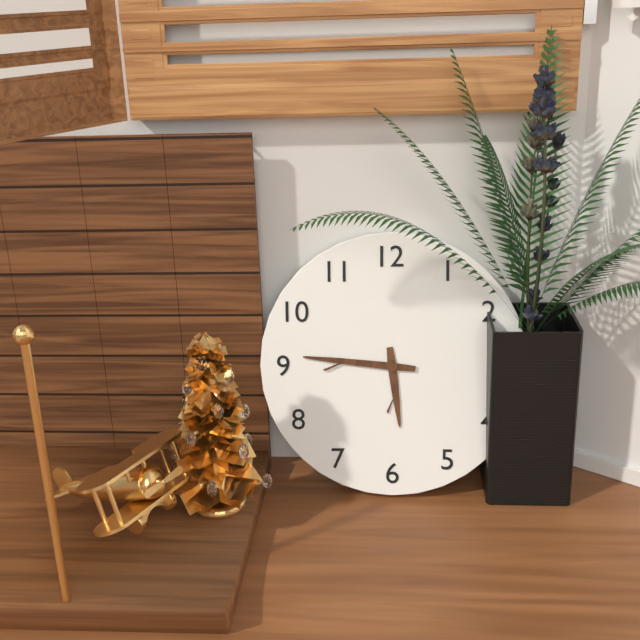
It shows 5:46
